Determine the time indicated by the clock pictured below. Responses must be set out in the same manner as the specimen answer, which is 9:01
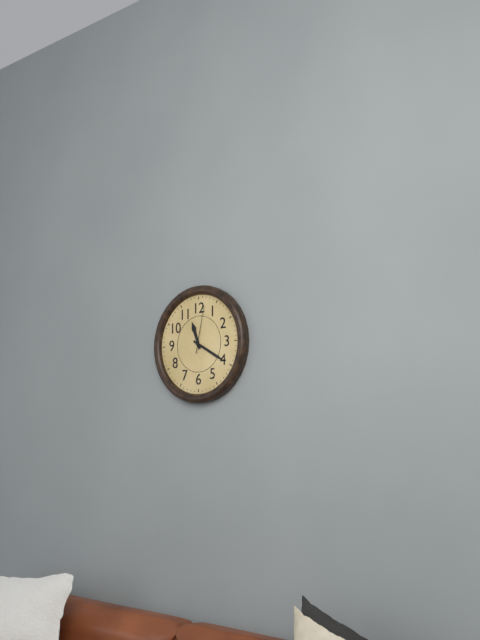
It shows 11:20
